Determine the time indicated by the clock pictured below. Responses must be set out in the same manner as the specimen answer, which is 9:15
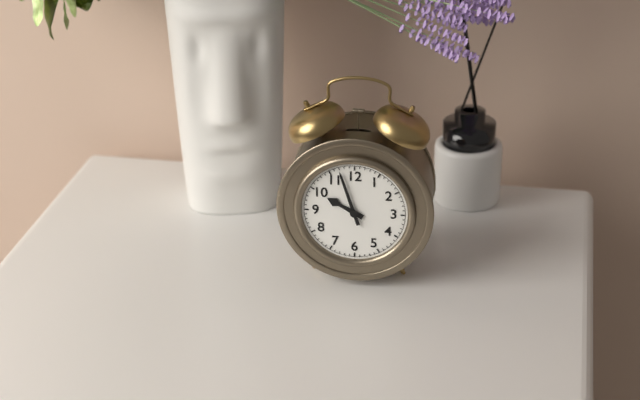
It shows 9:57
